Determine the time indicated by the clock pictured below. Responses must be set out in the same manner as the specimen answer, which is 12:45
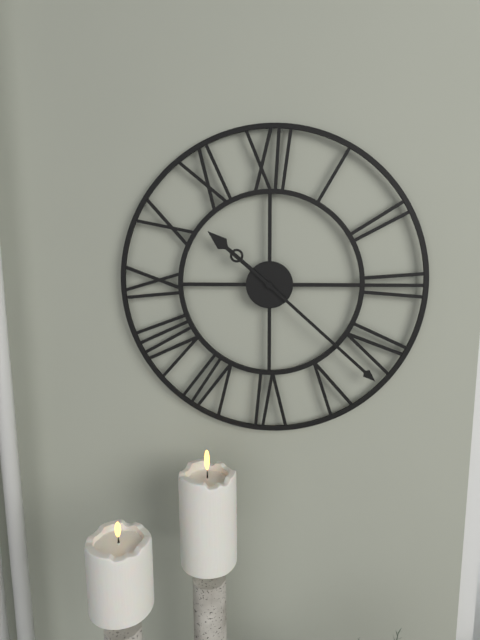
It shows 10:22
